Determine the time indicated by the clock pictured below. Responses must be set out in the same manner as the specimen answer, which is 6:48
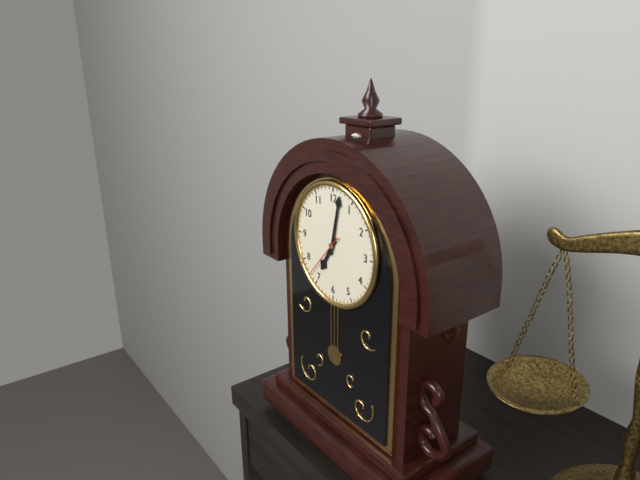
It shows 7:02
